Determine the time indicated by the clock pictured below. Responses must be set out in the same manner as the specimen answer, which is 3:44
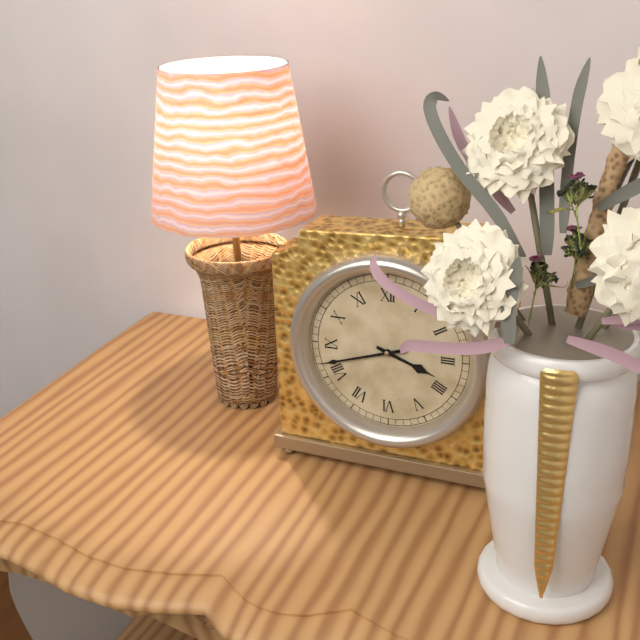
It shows 3:42
